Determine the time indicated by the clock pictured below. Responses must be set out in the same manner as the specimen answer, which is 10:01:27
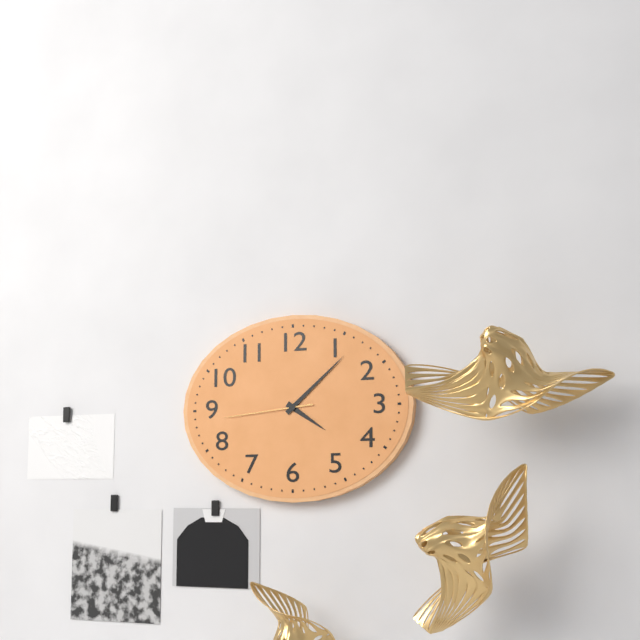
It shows 4:08:44
